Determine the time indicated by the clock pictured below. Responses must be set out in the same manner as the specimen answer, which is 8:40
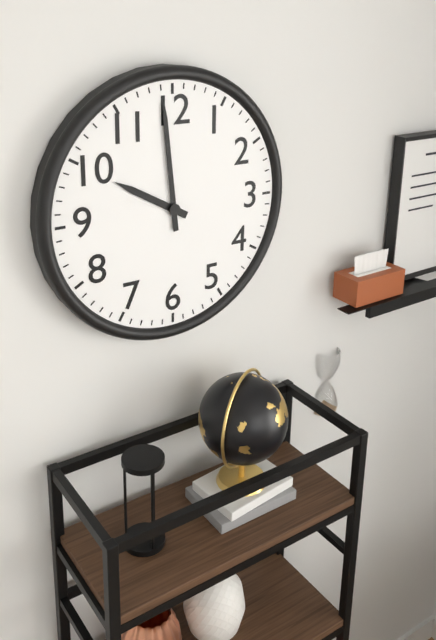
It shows 9:59
